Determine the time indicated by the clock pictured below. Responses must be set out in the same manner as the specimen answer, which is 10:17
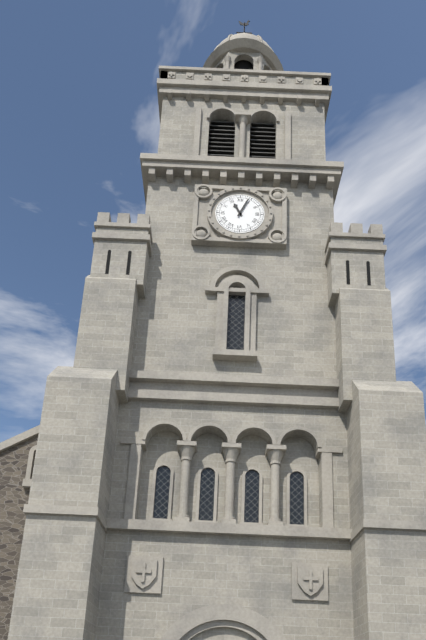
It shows 11:04
